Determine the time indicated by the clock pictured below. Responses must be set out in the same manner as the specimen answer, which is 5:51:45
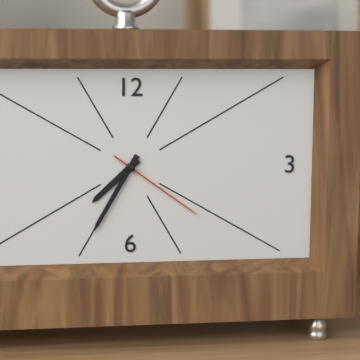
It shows 7:35:21
